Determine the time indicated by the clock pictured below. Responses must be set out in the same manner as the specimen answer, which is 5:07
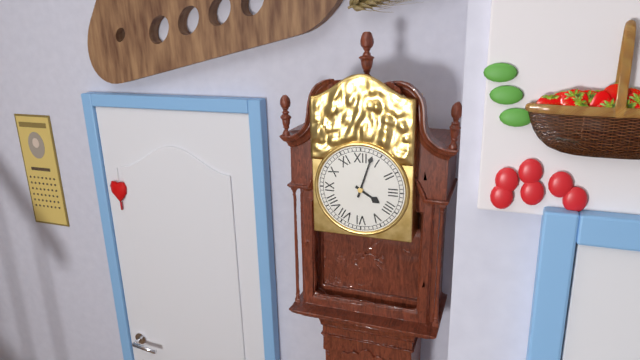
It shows 4:03
